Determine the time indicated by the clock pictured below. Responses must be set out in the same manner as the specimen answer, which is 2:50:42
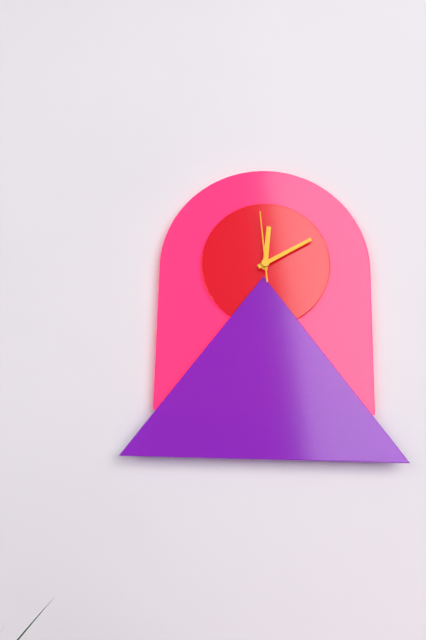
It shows 12:10:59
